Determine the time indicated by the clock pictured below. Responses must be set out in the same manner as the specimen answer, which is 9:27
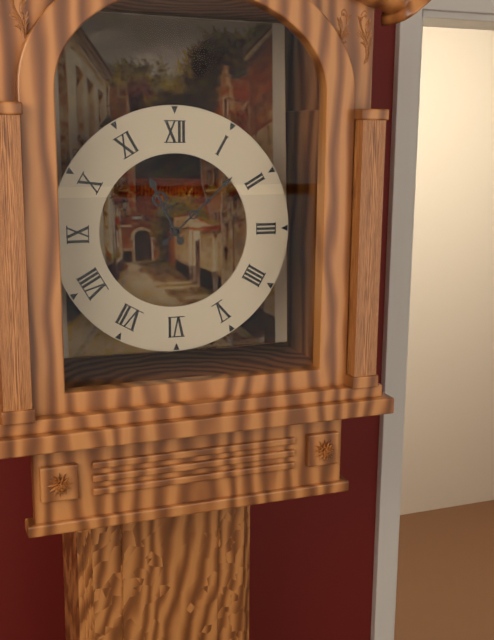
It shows 11:08
